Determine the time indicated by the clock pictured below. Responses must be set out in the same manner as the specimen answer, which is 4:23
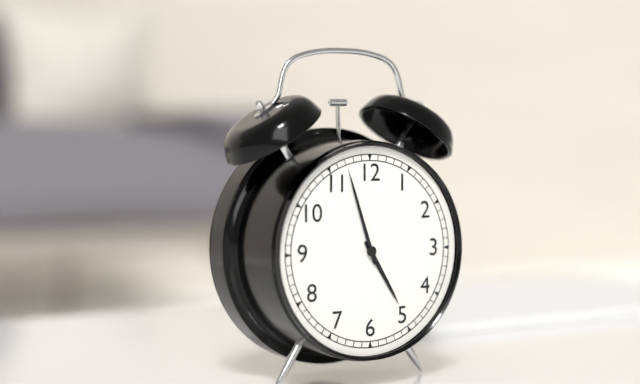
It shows 4:57
